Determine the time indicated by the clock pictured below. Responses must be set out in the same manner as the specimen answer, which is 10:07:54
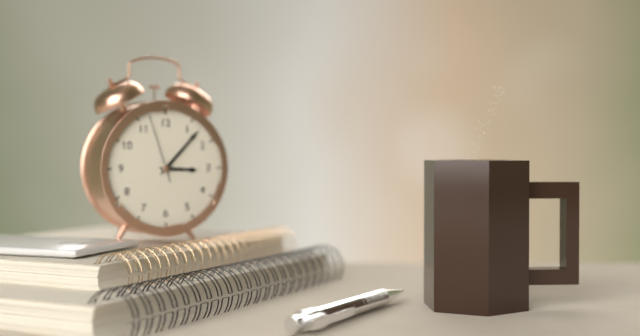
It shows 3:07:57
